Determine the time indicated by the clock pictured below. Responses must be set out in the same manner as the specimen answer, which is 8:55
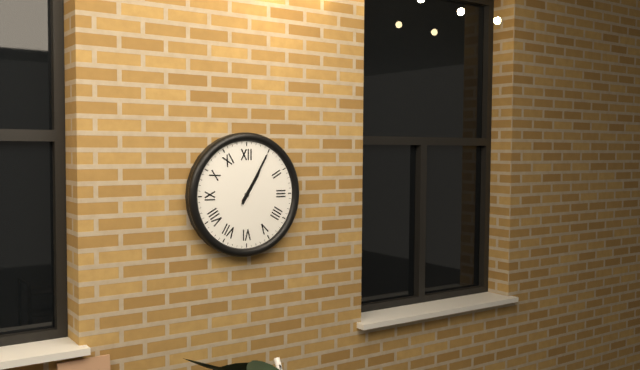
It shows 1:05
